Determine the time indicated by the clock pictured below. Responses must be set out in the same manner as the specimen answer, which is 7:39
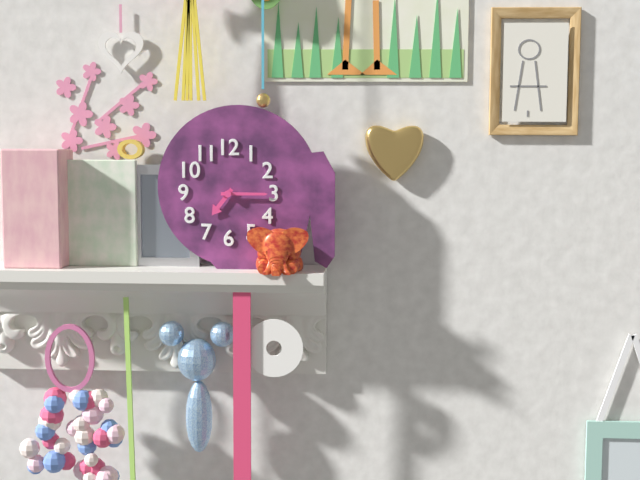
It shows 7:15
